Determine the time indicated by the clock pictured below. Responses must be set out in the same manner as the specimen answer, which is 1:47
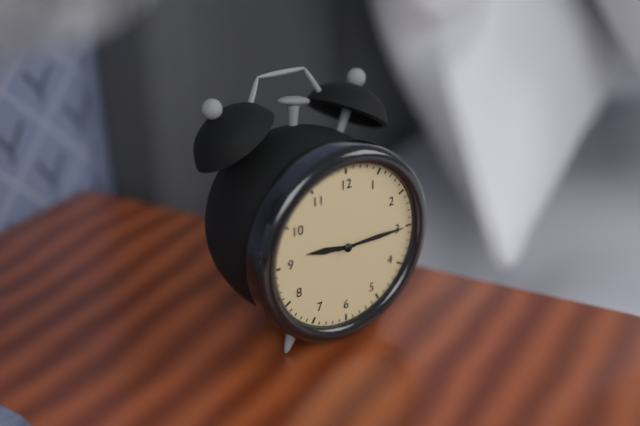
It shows 9:15
